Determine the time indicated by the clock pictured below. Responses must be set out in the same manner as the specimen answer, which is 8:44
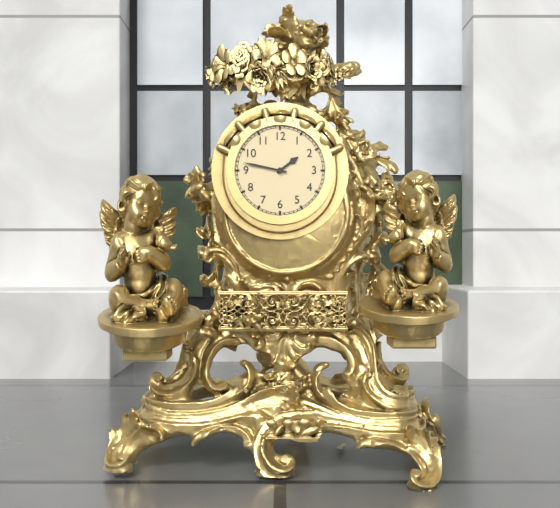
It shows 1:47
